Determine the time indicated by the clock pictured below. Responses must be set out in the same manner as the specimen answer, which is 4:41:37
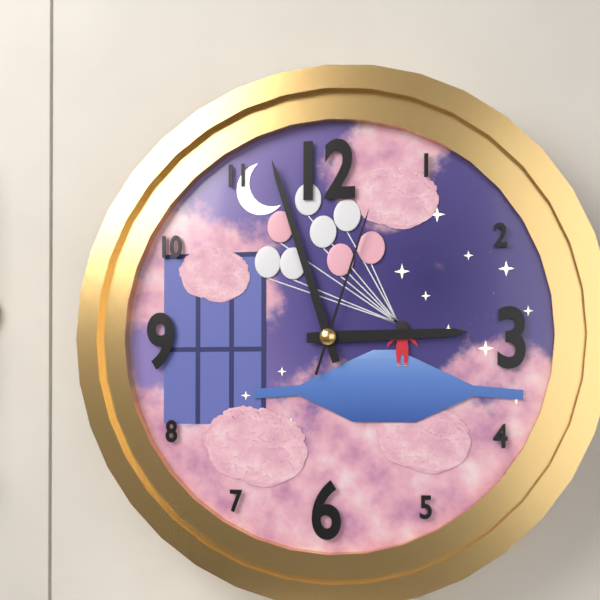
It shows 2:57:03
